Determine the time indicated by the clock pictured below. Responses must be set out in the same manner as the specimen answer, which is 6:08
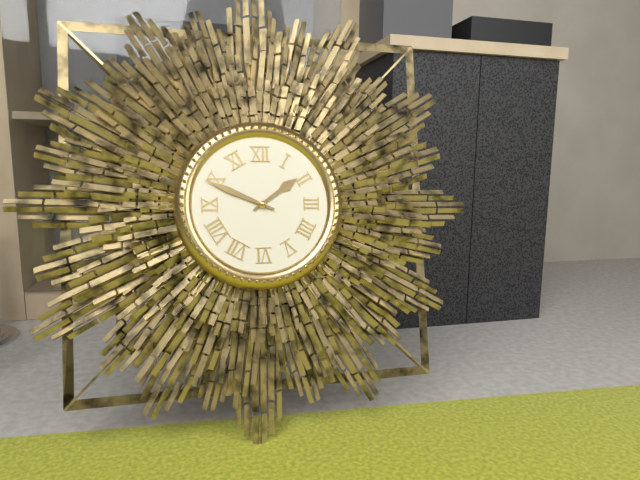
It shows 1:49
